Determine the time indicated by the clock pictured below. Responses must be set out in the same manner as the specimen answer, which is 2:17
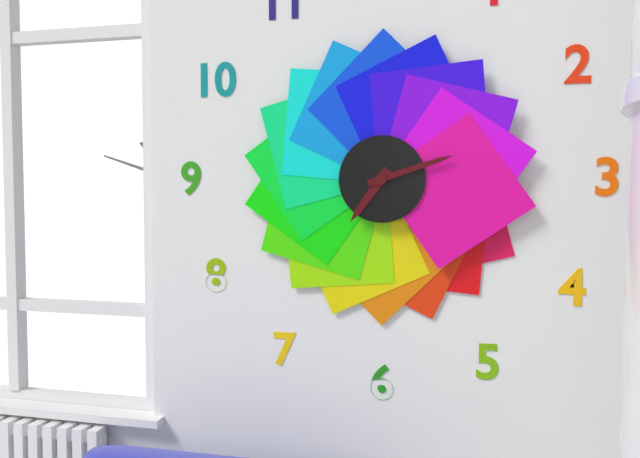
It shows 7:12
